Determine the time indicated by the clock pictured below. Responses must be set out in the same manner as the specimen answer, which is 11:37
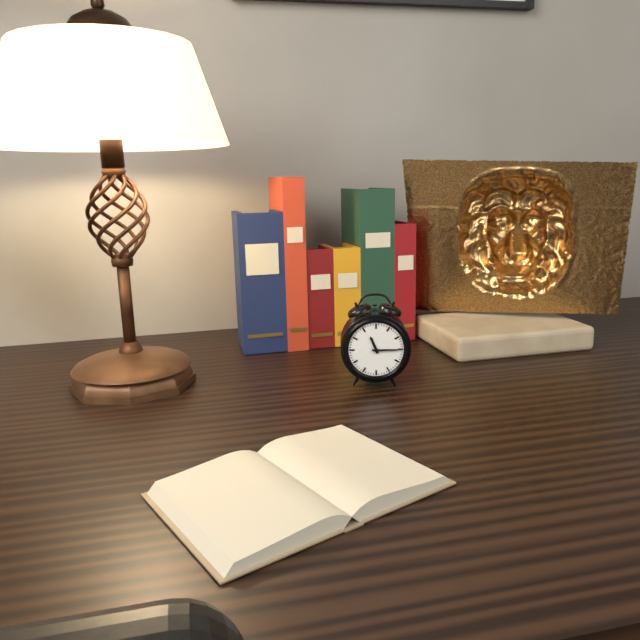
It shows 11:15
